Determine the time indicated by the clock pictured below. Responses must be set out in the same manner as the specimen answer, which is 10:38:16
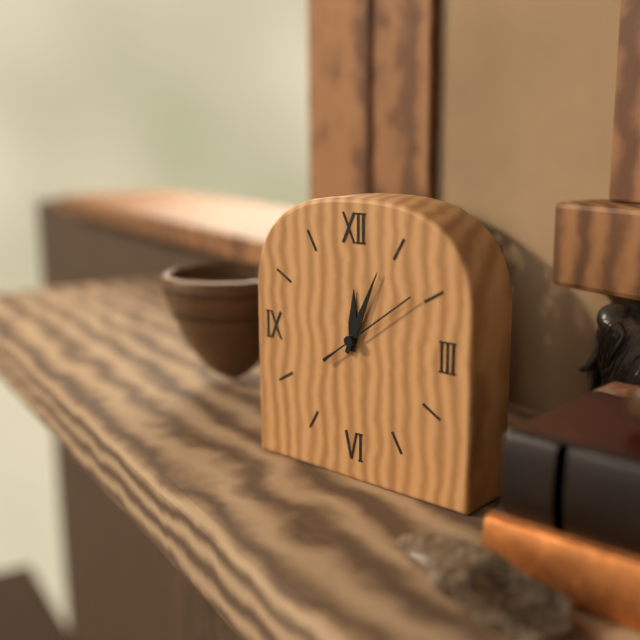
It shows 12:04:09
